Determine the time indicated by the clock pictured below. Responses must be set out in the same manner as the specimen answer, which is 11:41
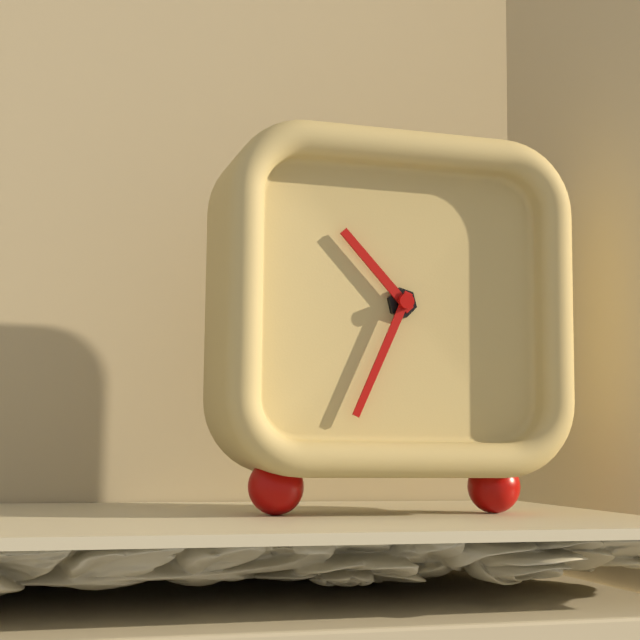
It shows 10:34
